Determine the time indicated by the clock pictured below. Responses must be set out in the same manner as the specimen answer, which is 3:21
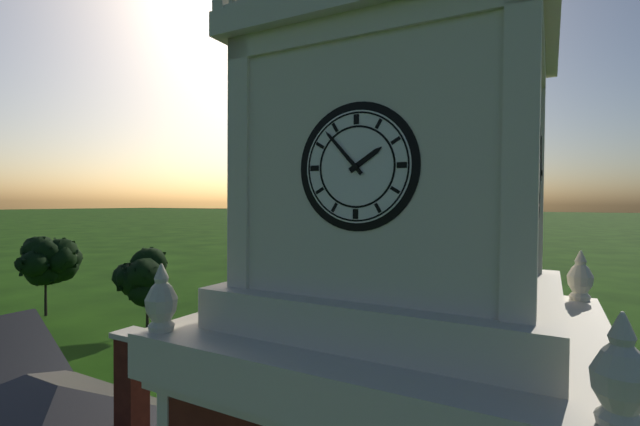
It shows 1:53
